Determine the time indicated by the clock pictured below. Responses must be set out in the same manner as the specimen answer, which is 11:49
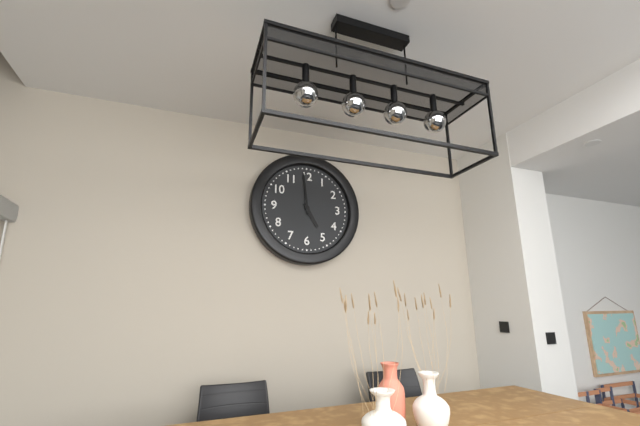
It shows 4:59
